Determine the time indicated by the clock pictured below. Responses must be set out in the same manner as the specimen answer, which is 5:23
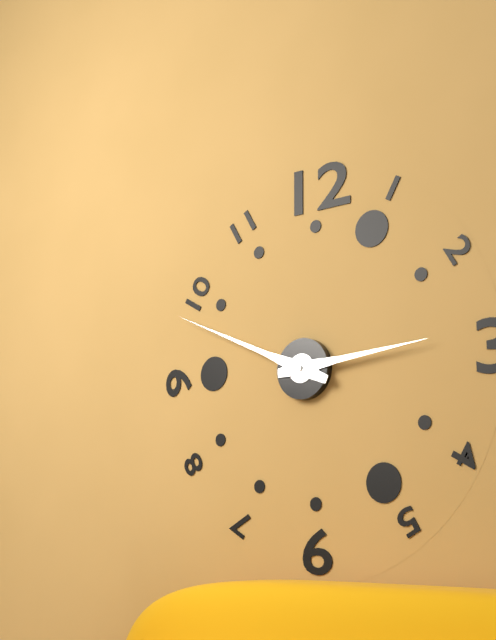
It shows 2:49
